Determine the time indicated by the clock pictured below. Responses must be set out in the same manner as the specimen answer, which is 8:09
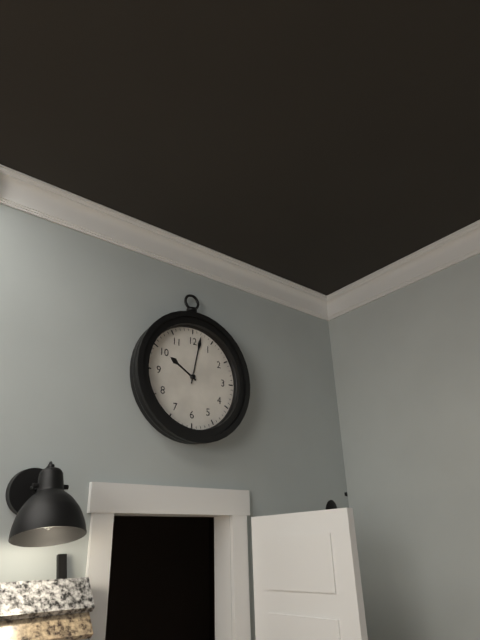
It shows 10:02
